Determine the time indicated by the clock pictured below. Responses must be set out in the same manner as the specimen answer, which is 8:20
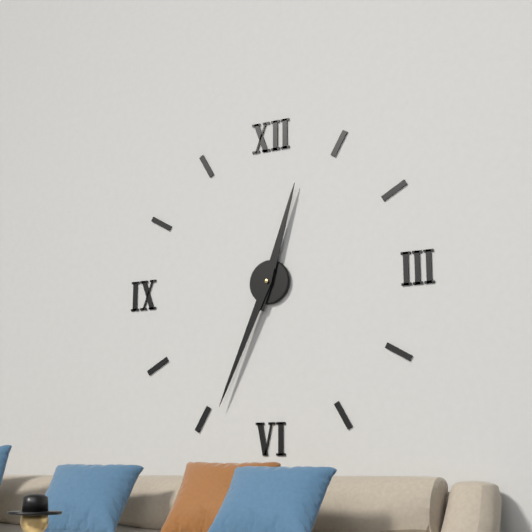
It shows 12:34
